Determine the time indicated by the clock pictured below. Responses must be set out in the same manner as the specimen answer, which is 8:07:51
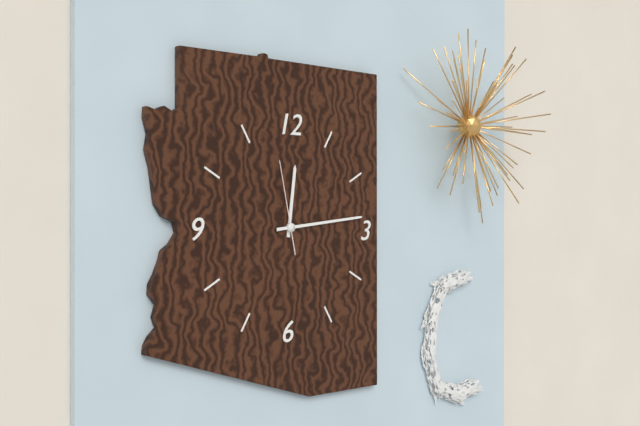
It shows 12:14:58
